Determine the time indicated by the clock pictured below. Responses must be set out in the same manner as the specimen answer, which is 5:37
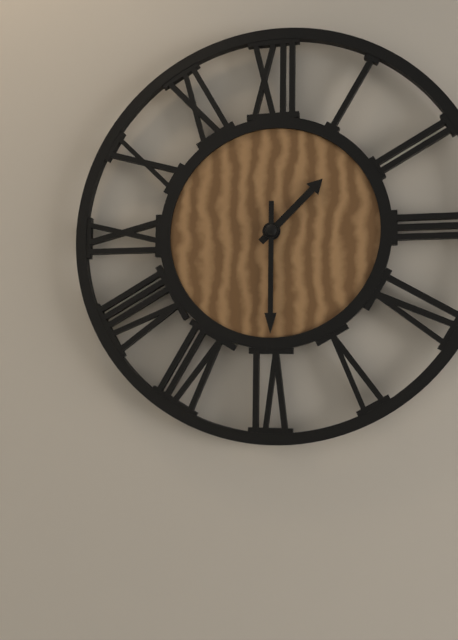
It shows 1:30
